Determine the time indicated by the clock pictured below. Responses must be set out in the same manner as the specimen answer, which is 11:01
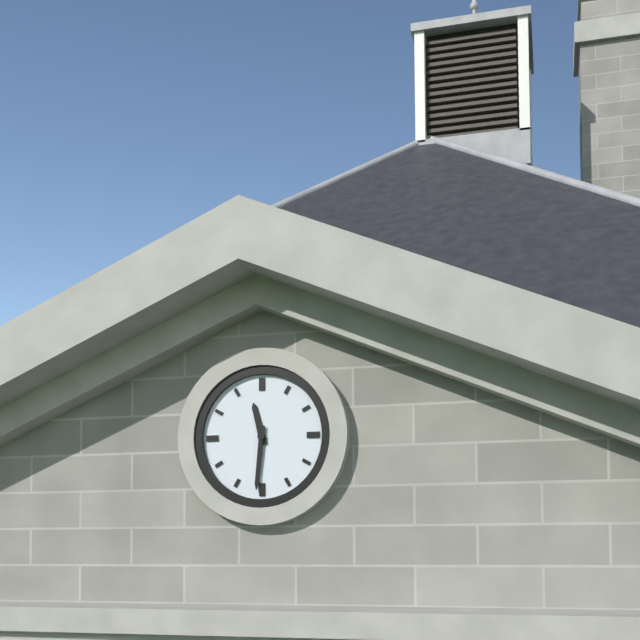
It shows 11:31
